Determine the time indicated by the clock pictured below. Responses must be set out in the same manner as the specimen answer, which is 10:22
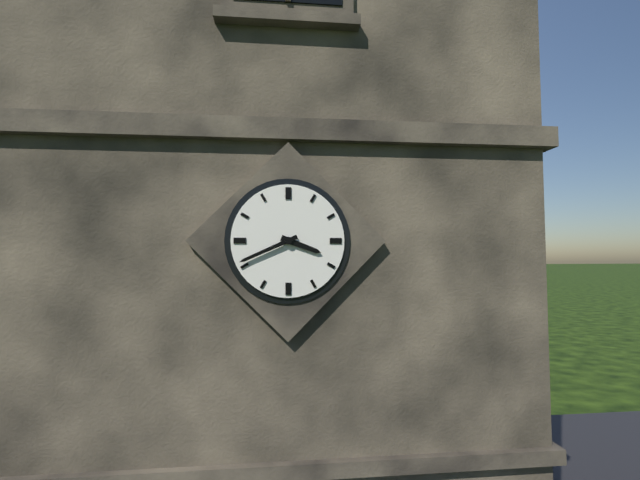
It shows 3:41
